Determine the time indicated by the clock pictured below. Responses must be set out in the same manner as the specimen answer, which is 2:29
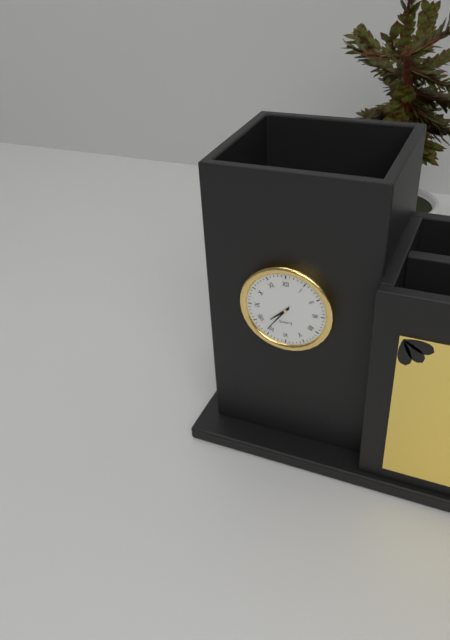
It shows 7:36
